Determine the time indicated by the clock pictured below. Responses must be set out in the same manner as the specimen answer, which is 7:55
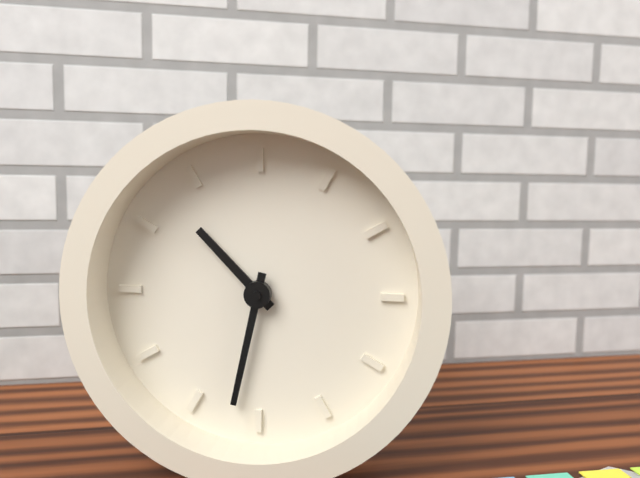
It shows 10:32
